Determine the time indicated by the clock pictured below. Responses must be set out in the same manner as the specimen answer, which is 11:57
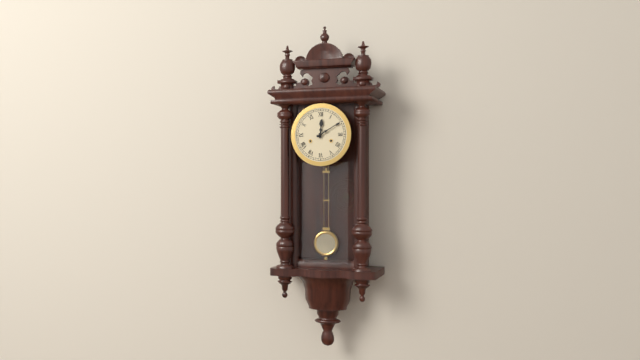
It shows 12:10
